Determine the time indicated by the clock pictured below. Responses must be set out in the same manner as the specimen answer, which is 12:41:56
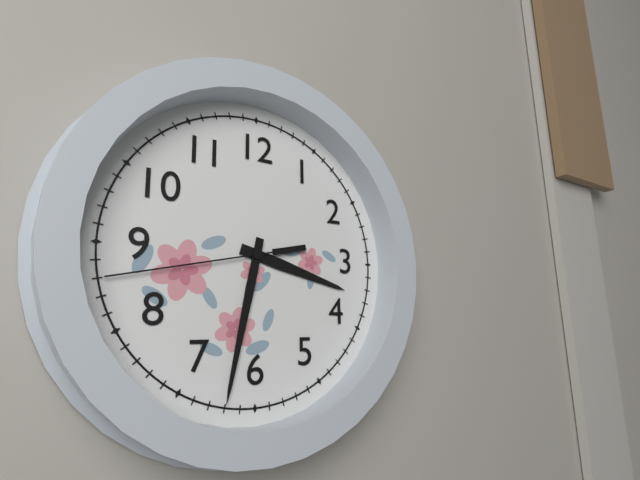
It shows 3:32:43
